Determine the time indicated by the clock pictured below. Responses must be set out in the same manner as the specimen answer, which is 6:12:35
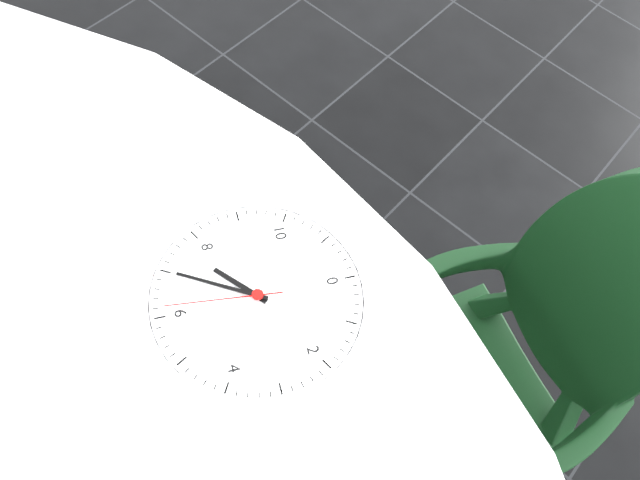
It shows 7:35:31
